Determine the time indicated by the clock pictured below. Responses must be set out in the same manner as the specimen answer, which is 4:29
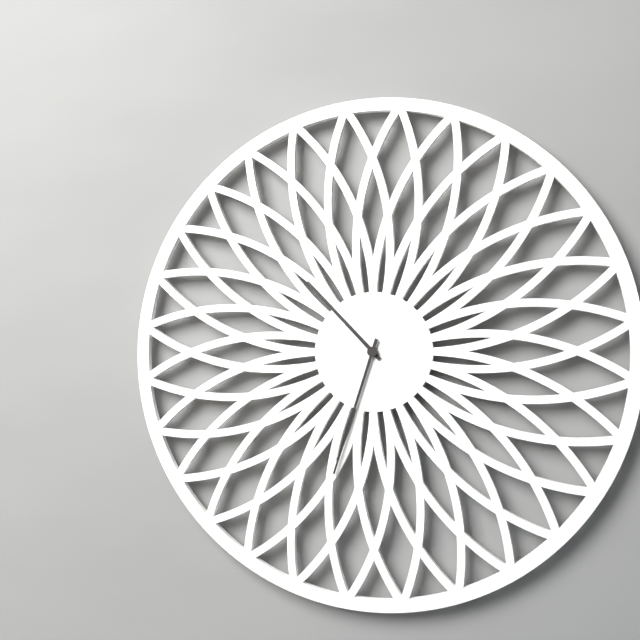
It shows 10:33
